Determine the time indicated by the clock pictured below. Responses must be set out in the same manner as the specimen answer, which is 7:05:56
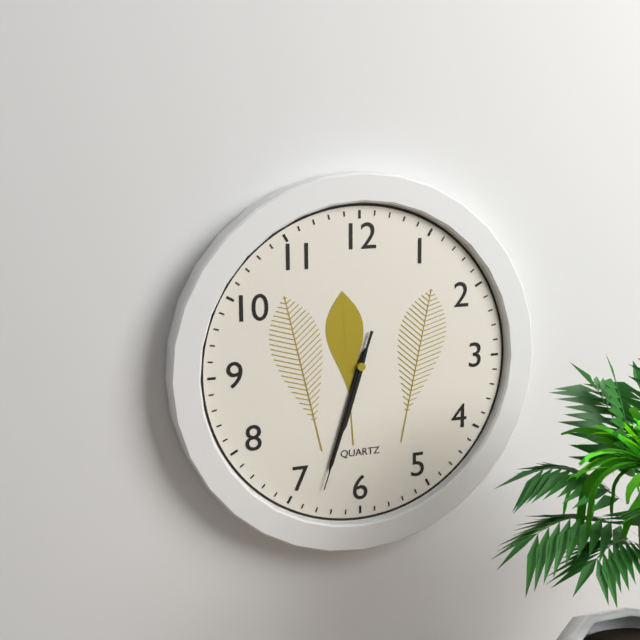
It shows 6:33:33
